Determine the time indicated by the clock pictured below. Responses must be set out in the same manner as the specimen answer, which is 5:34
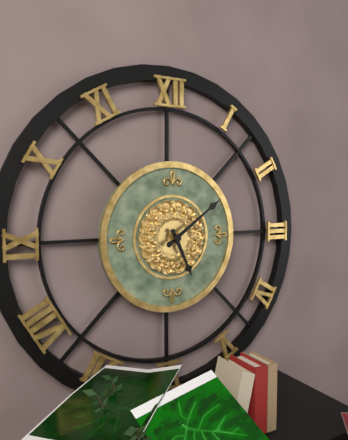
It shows 5:09
